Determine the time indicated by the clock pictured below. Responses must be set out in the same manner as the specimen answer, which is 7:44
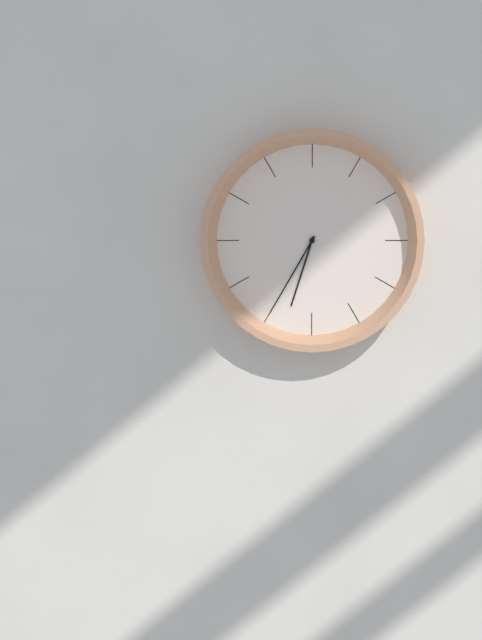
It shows 6:35
